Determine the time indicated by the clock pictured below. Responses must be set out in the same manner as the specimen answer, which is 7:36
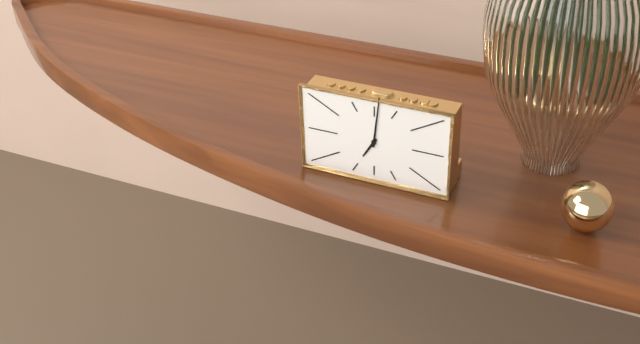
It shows 7:01
